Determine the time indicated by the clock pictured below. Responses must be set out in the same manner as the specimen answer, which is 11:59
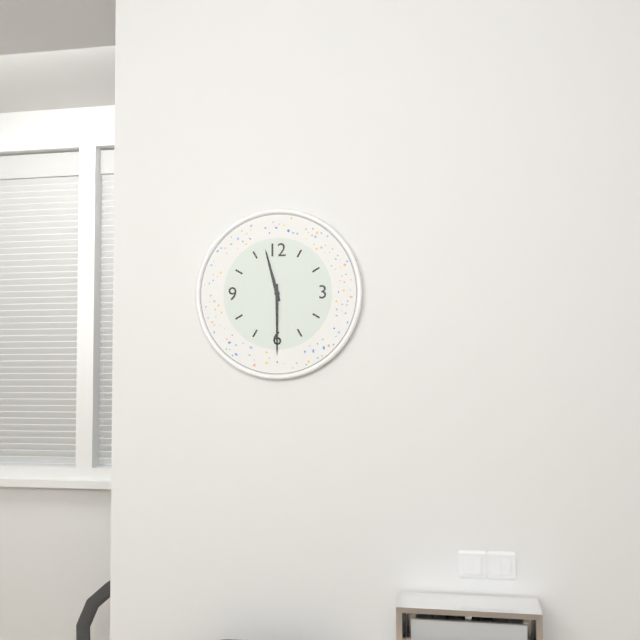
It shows 11:30
